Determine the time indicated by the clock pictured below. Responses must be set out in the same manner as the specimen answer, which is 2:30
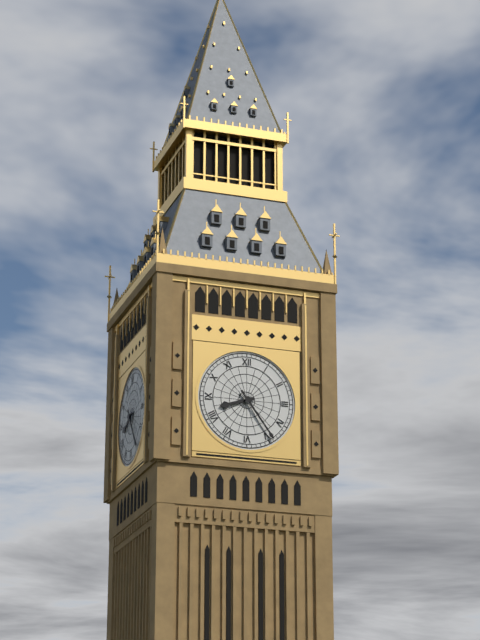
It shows 8:24
